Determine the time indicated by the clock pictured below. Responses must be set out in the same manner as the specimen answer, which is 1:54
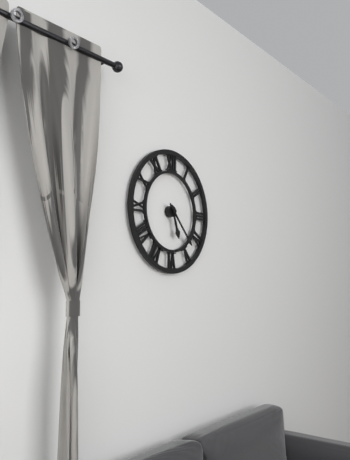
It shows 5:23
